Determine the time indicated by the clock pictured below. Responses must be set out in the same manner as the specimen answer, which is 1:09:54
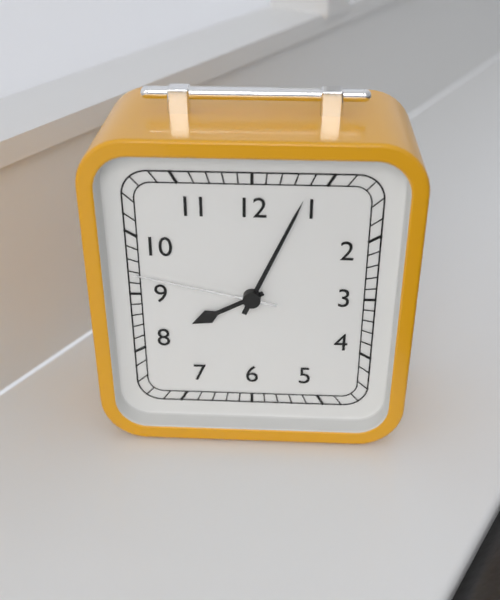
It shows 8:04:47
